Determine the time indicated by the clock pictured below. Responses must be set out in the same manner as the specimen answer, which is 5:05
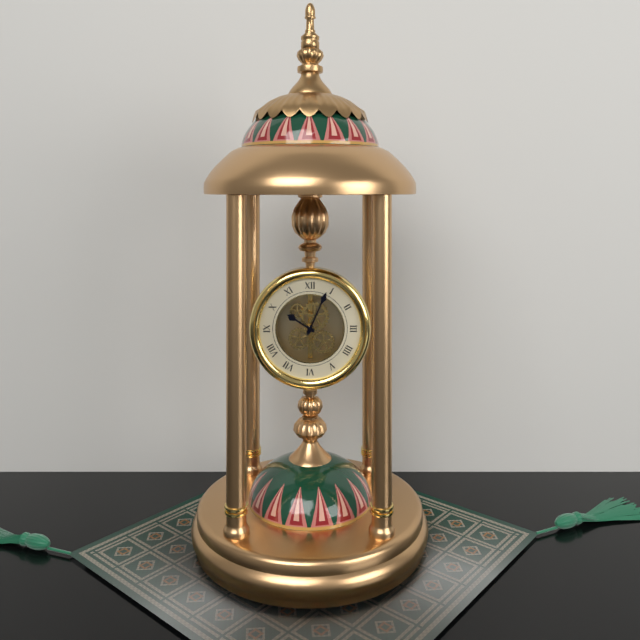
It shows 10:04
